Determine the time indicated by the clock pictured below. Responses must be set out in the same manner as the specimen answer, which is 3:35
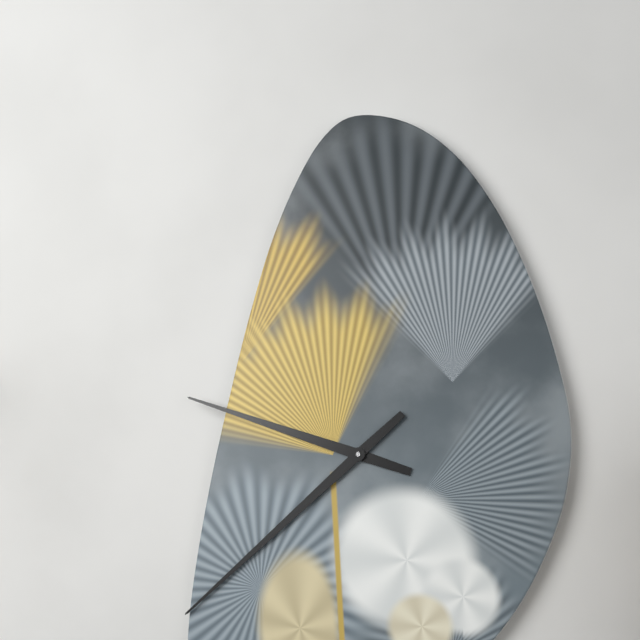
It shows 9:38
